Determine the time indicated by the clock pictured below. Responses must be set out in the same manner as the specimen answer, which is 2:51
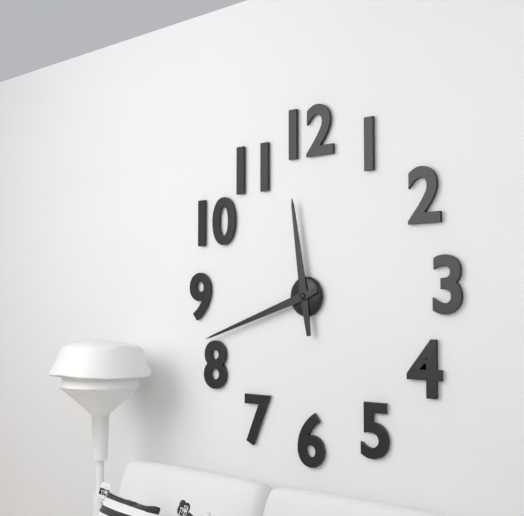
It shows 11:42
